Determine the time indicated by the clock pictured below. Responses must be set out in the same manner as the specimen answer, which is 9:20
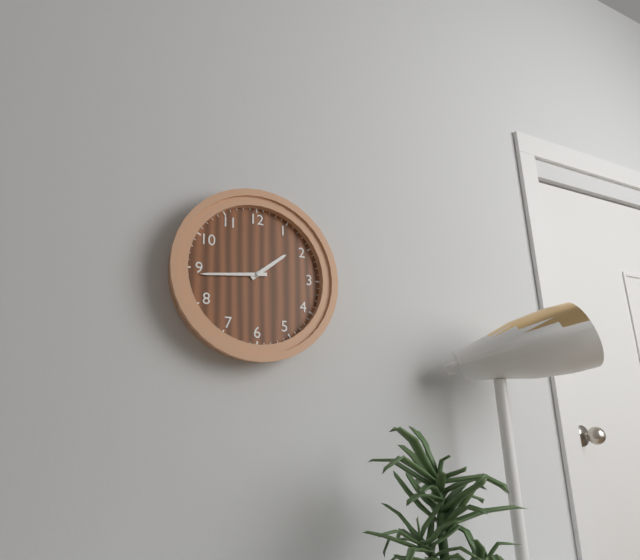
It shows 1:44
